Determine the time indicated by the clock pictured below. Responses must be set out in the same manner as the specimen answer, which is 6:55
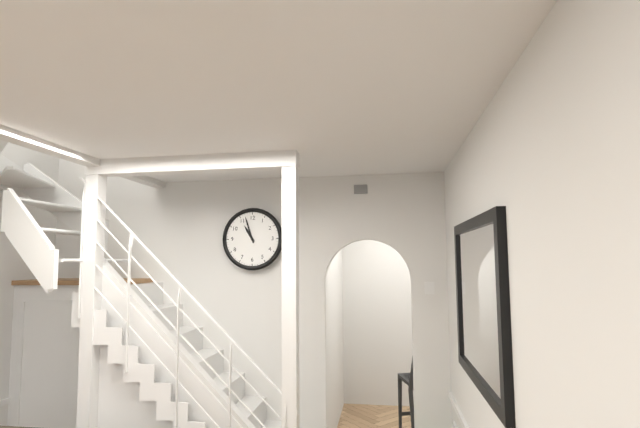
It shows 10:57
